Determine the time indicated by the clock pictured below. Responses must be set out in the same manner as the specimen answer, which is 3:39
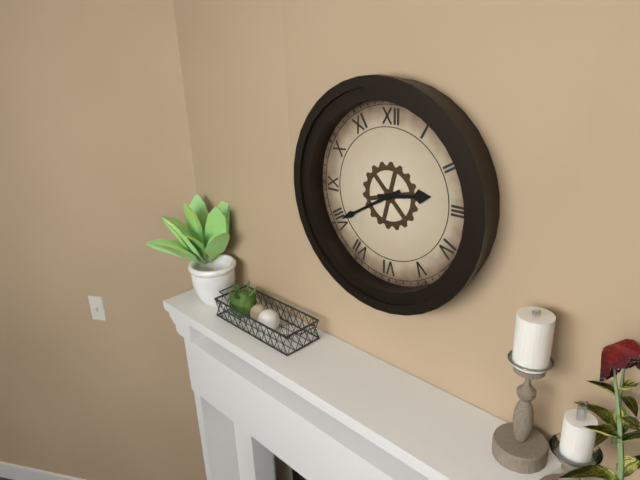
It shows 2:40
